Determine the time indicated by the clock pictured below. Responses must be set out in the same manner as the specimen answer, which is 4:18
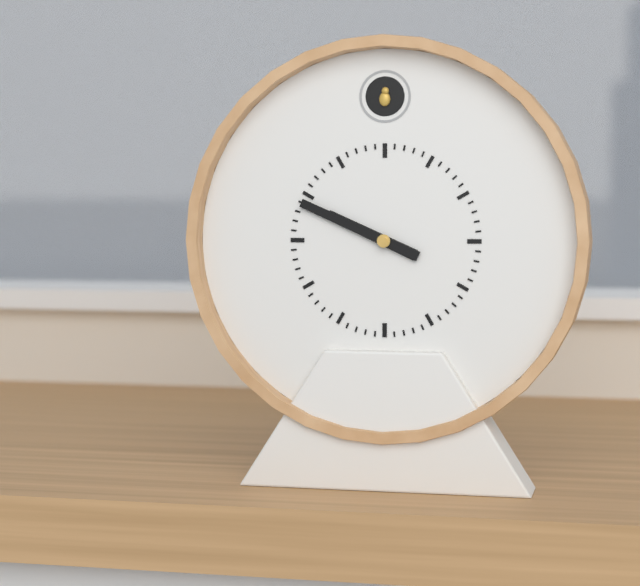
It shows 9:49
